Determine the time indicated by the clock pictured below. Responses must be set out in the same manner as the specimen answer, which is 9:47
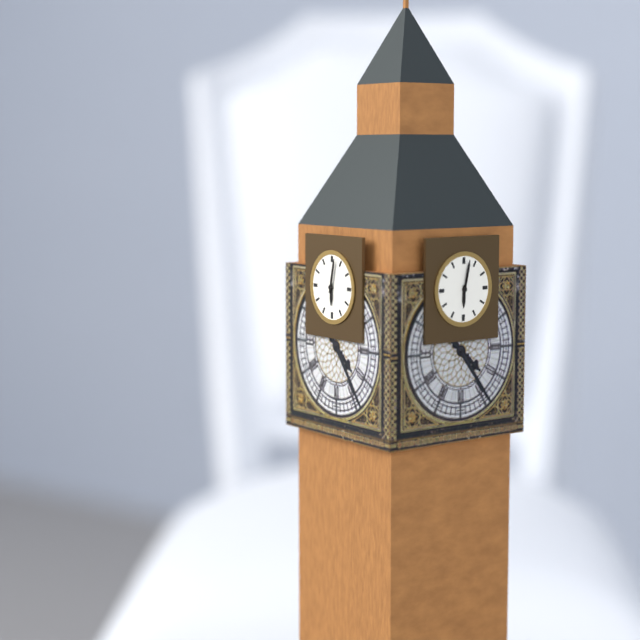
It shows 6:02
